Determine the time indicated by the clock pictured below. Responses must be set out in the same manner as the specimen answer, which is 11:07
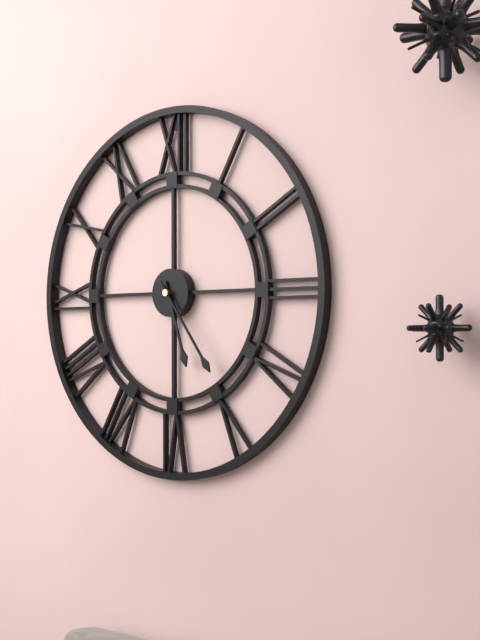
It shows 5:24
